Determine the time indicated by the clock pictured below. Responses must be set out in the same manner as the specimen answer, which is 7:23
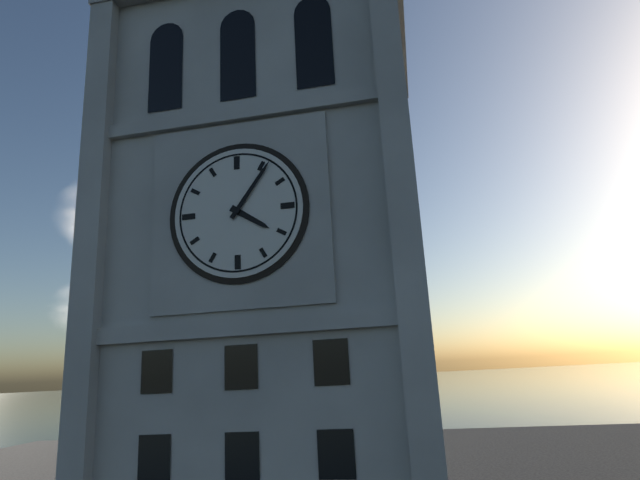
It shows 4:06
